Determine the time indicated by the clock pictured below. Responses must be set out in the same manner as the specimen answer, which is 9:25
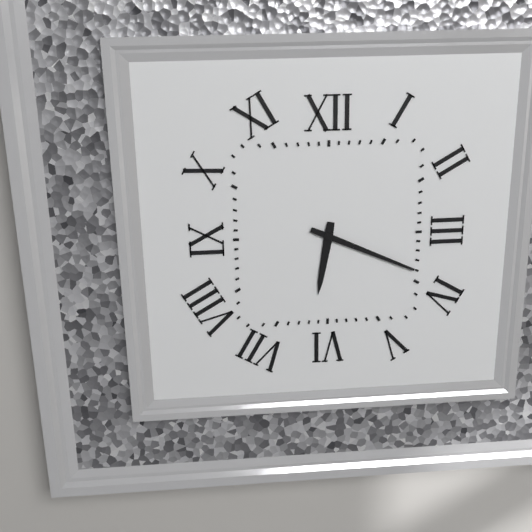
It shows 6:19
